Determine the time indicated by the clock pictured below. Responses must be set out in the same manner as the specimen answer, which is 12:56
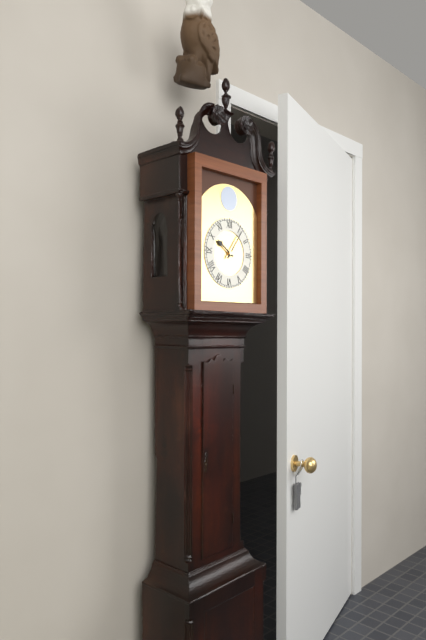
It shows 10:06
